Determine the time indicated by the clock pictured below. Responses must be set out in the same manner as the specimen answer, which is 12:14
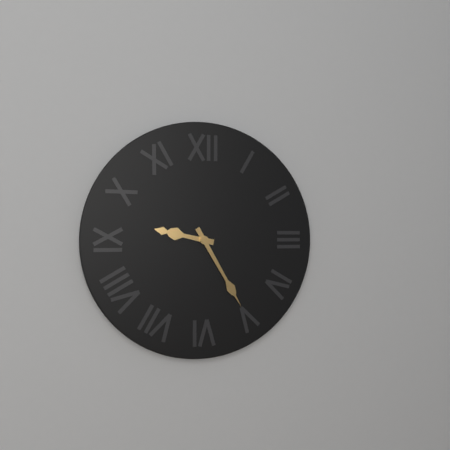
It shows 9:25
